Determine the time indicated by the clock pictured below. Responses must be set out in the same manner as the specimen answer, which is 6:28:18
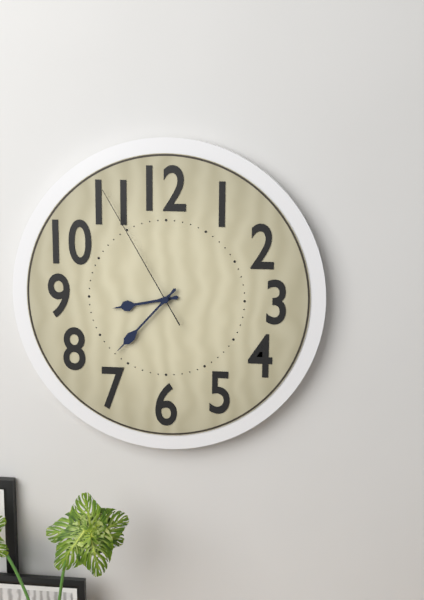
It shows 8:37:55
